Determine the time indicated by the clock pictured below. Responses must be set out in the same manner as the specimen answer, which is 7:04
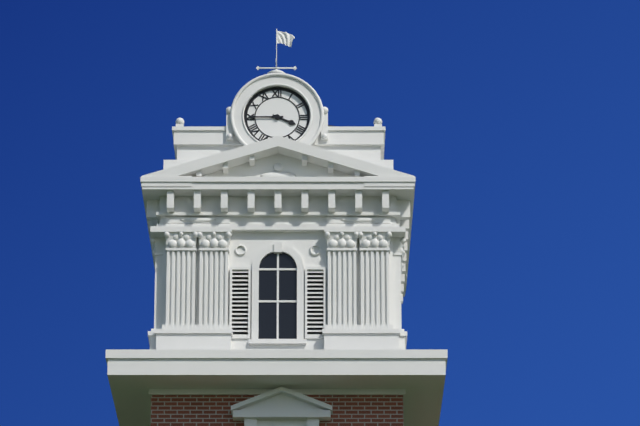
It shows 3:45
